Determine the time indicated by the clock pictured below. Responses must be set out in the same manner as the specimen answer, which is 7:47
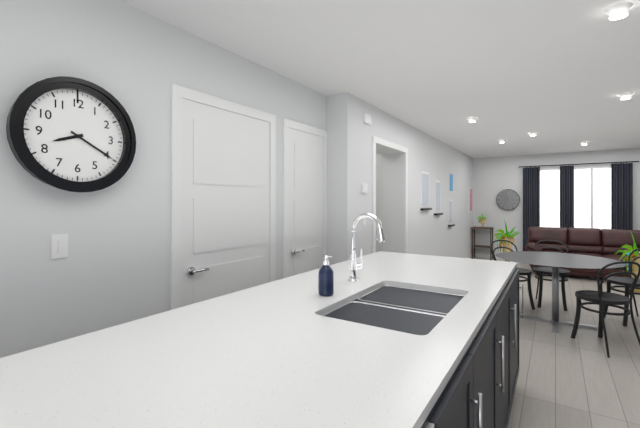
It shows 8:20
